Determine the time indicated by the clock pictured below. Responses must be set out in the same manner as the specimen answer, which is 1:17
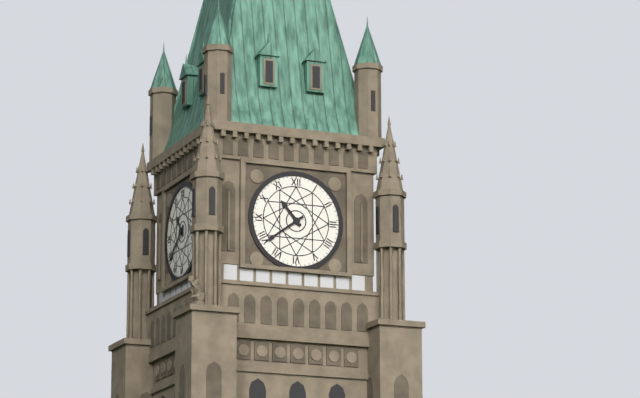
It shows 10:39
